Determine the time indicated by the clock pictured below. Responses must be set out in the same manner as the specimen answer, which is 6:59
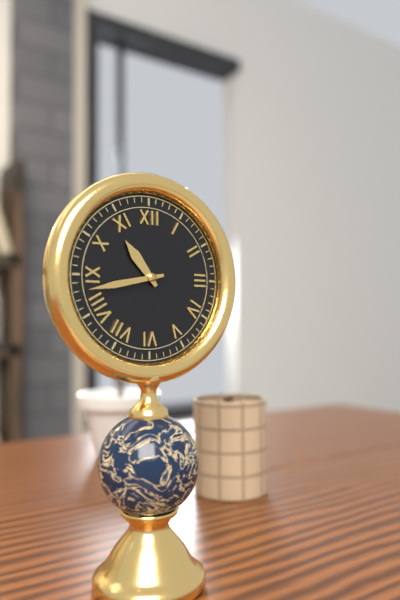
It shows 10:43
